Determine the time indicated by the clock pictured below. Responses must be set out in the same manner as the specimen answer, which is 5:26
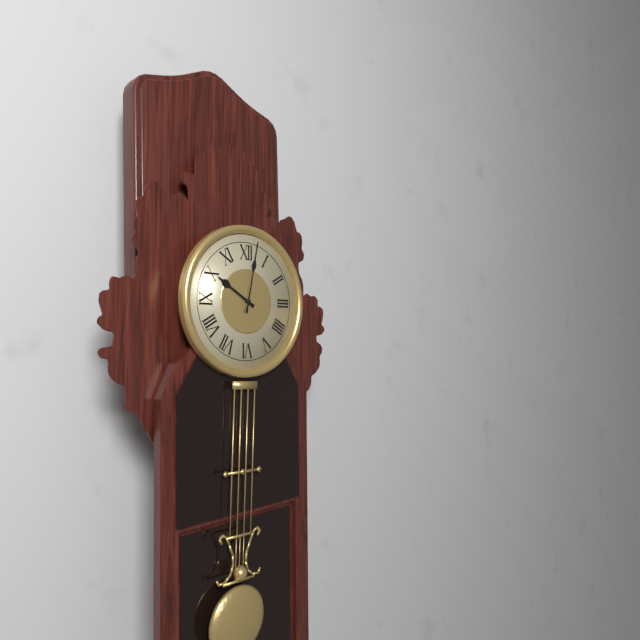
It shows 10:02
